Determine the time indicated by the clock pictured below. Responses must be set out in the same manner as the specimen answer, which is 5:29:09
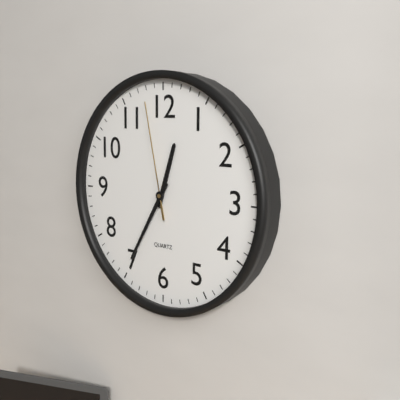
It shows 12:35:58
